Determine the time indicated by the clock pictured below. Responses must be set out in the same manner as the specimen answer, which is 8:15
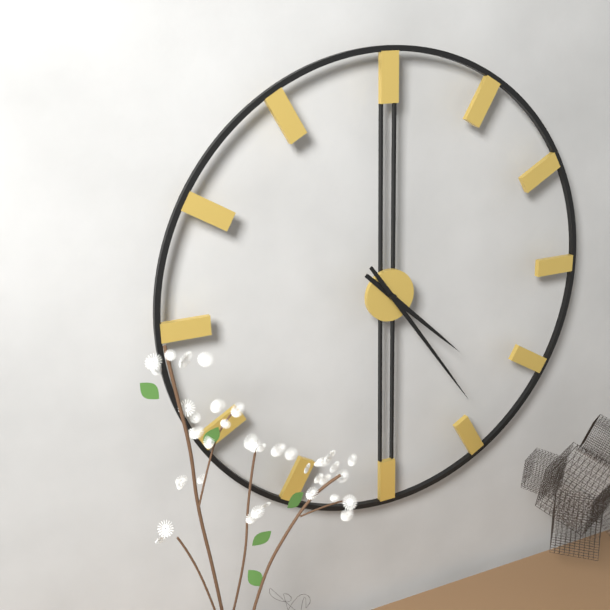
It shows 4:24
